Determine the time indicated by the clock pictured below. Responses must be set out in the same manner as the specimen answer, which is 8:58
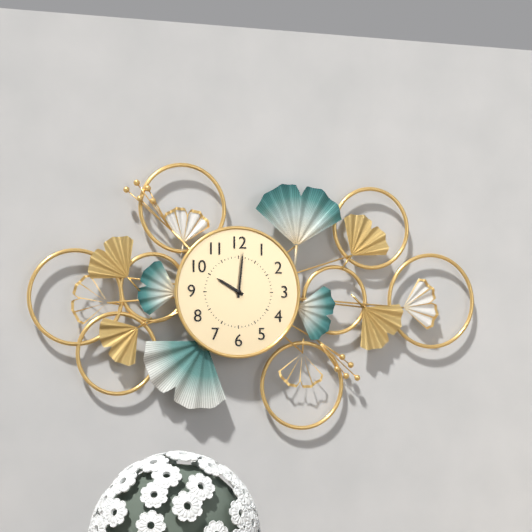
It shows 10:01
